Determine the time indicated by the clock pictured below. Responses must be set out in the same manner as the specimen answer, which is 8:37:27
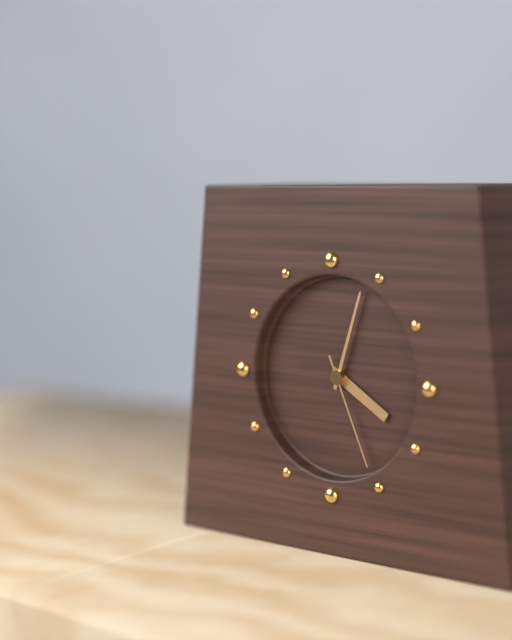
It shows 4:03:26
